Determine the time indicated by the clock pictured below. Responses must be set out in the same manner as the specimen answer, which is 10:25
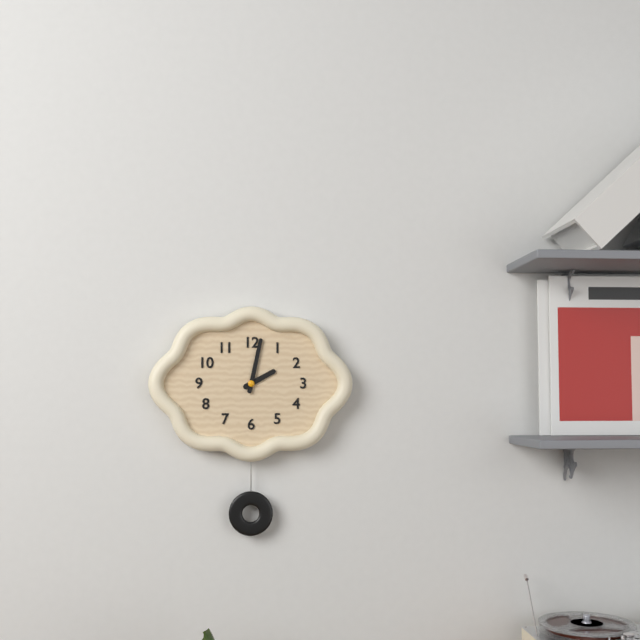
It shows 2:02
